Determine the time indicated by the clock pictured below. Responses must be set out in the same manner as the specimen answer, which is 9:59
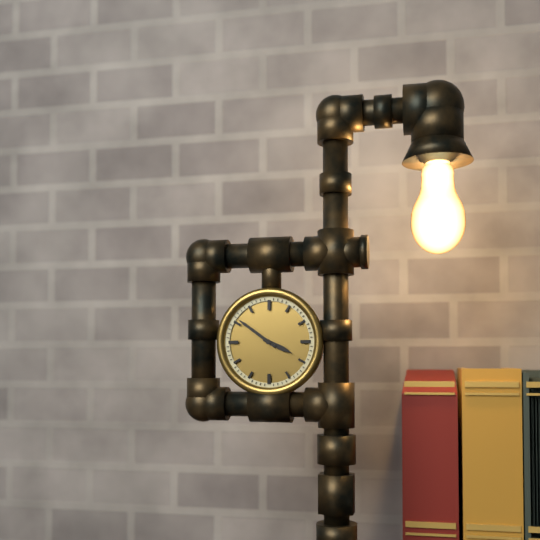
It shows 3:51
